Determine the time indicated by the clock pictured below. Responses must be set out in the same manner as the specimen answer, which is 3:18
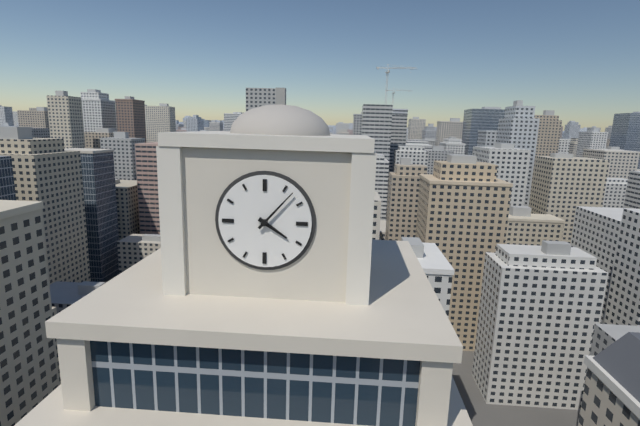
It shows 4:07
